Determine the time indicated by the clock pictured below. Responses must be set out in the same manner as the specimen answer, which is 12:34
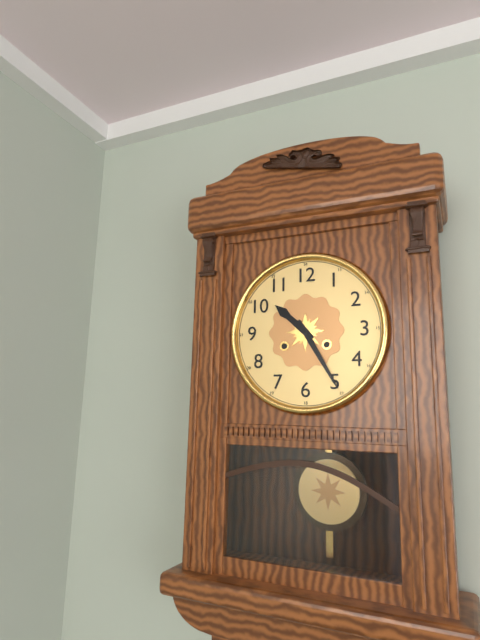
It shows 10:25
